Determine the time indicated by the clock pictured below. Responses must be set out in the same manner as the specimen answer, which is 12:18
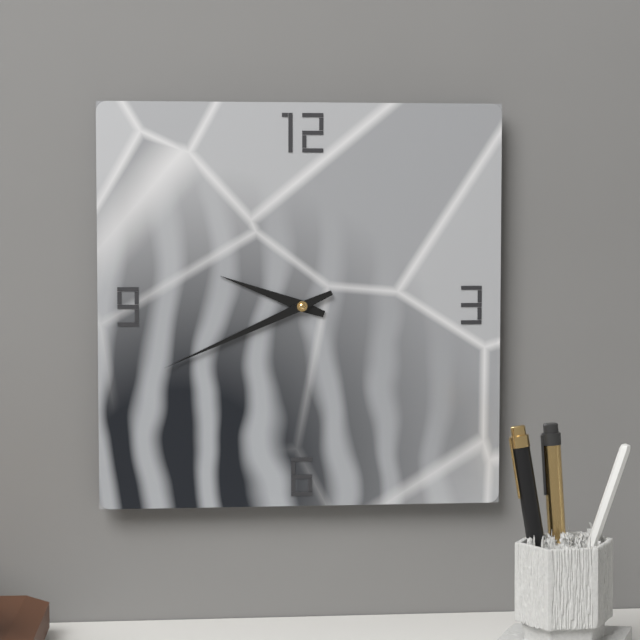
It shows 9:41
